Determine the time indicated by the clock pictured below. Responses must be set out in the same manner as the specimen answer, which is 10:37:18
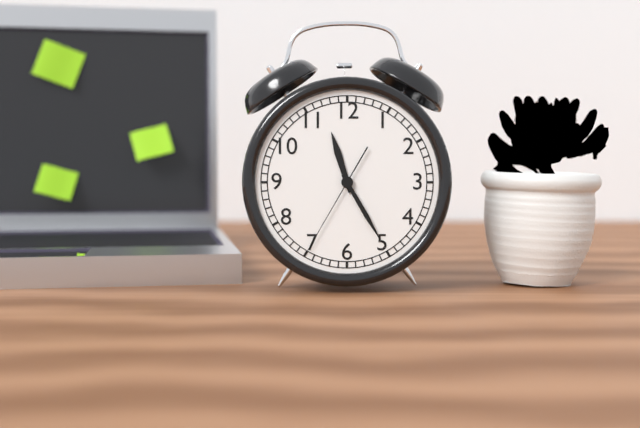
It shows 11:25:35
